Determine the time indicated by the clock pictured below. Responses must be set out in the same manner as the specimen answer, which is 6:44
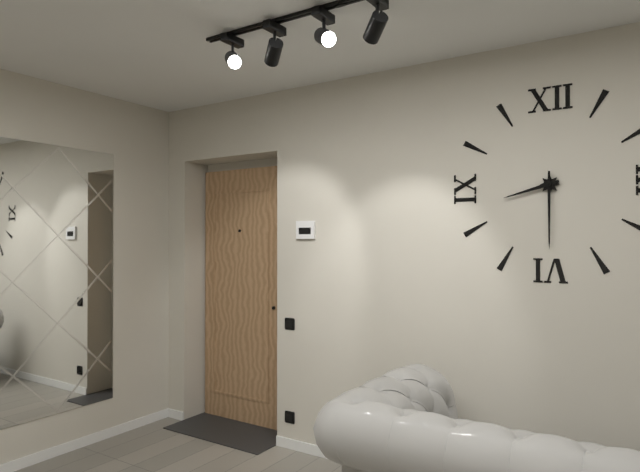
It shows 8:30
